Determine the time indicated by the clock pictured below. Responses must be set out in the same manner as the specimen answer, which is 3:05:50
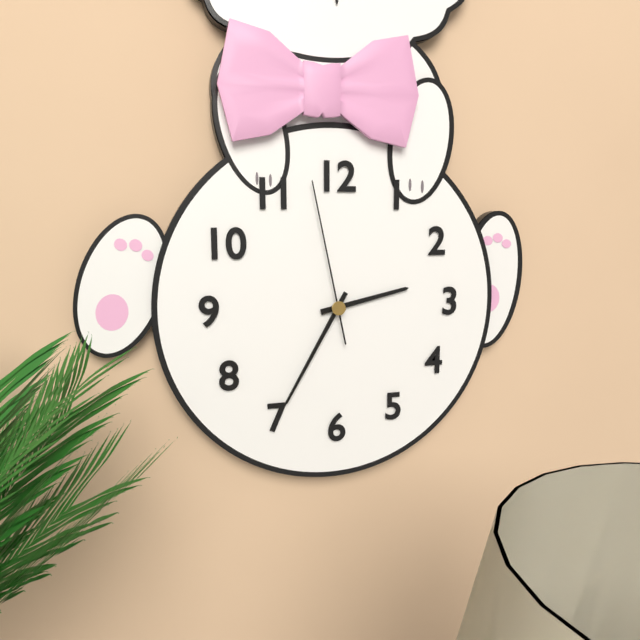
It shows 2:35:58
